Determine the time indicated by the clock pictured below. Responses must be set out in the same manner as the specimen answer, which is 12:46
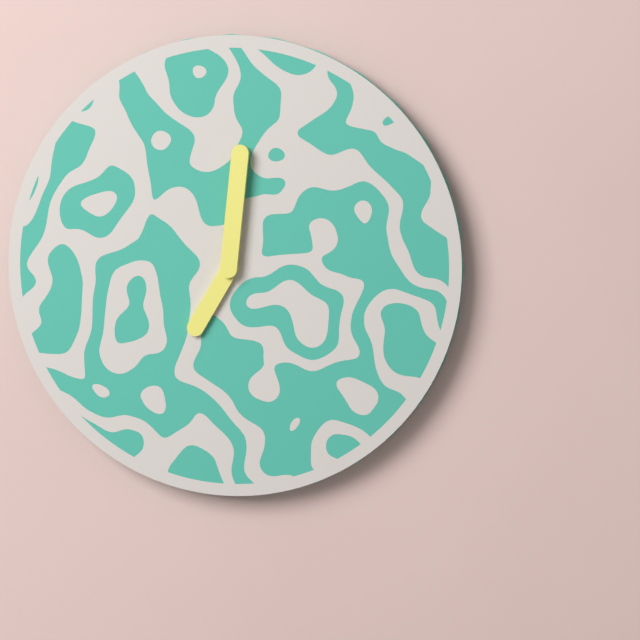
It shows 7:01
